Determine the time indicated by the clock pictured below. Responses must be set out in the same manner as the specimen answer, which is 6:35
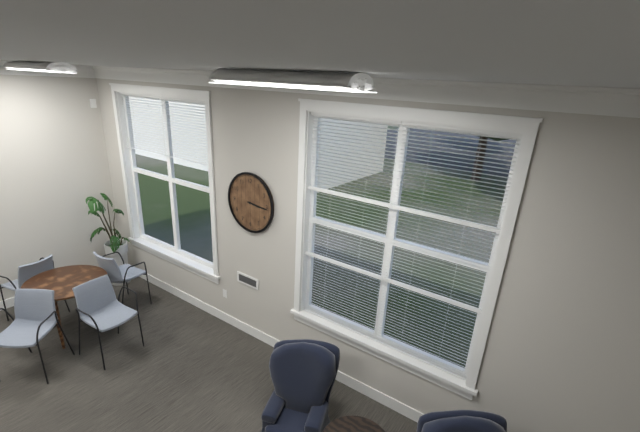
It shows 3:16
